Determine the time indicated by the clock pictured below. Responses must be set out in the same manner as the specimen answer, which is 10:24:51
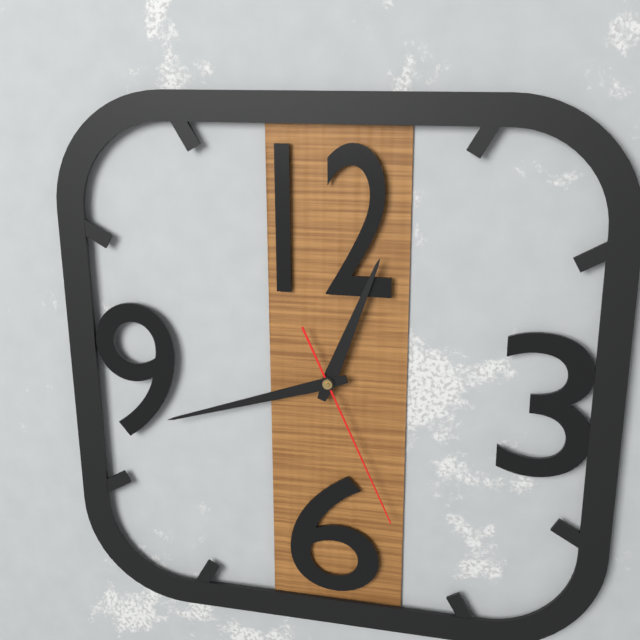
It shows 12:42:26
